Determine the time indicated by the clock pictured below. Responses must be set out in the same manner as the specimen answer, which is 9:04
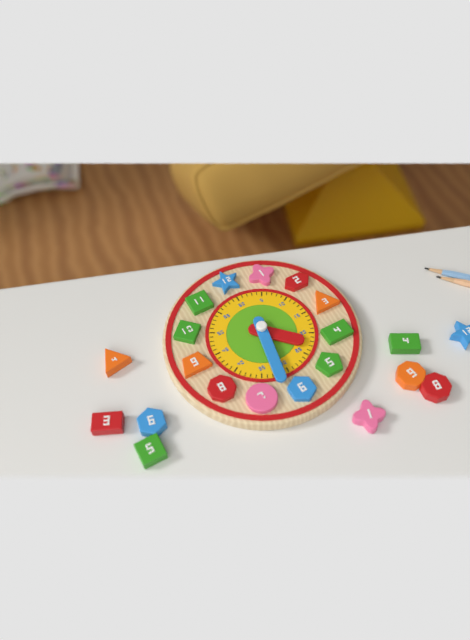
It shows 4:32
